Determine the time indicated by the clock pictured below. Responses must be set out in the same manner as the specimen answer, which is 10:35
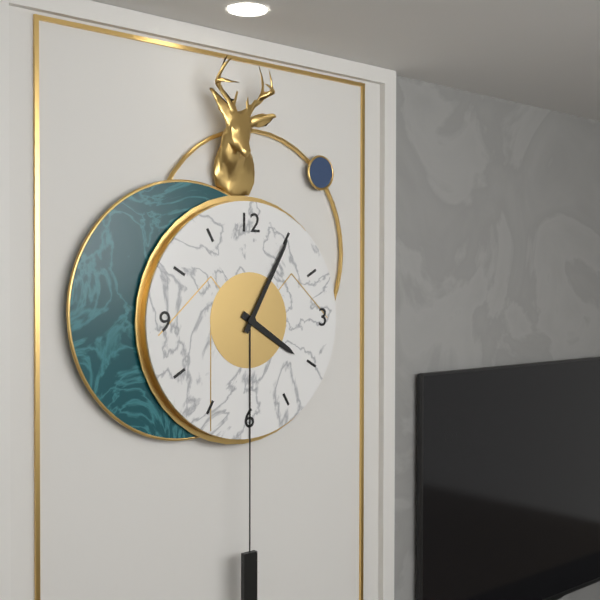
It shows 4:05
